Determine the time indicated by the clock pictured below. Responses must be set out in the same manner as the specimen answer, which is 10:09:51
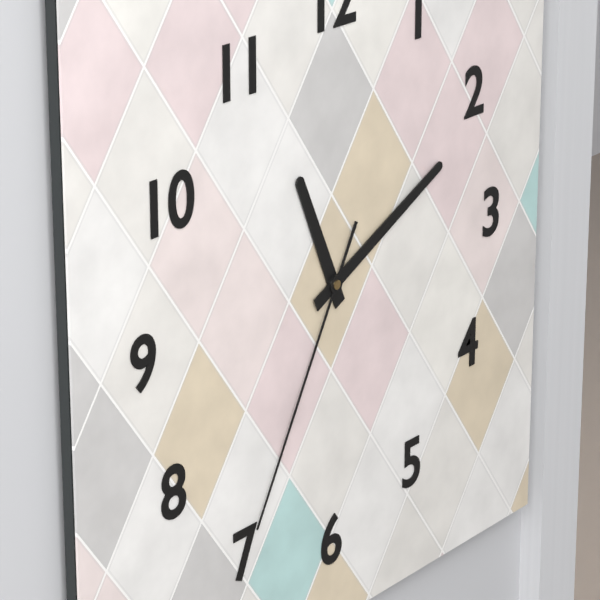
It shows 11:11:35
